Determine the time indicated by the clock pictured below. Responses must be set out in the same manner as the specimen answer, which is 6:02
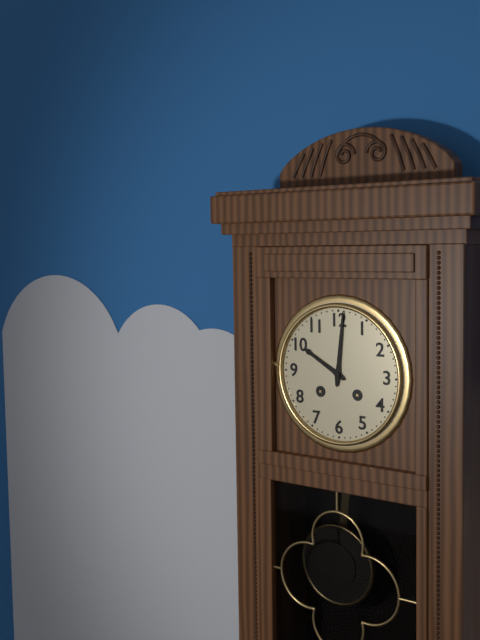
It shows 10:01
